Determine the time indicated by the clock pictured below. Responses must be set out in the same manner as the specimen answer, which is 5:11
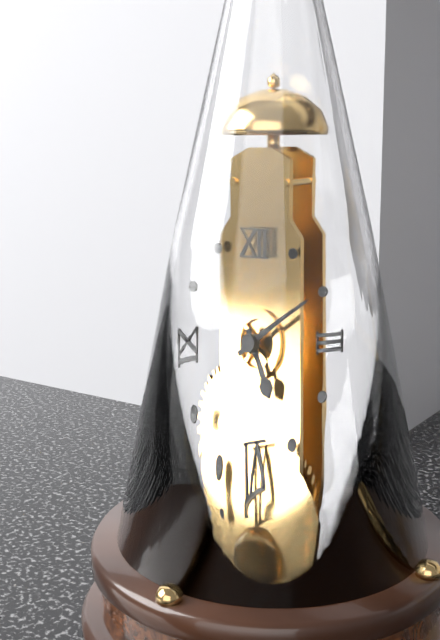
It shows 5:10
